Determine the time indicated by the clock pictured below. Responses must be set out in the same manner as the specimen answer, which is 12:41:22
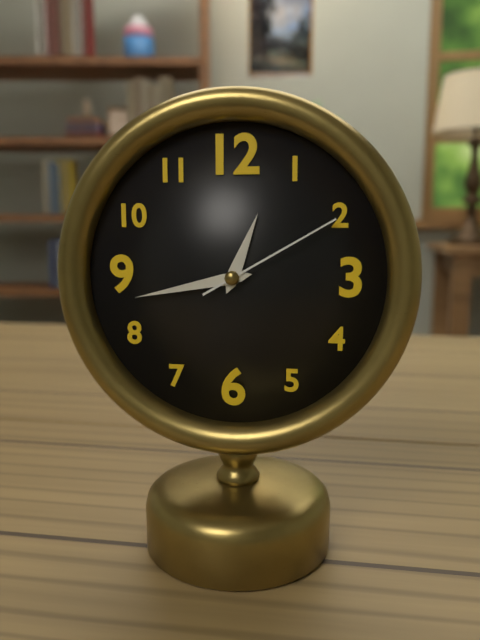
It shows 12:43:10
